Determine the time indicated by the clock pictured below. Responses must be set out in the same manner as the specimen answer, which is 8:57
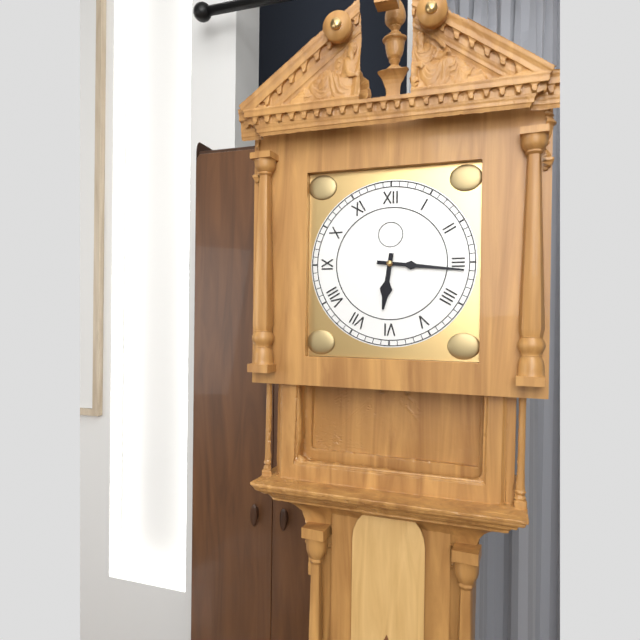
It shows 6:16
